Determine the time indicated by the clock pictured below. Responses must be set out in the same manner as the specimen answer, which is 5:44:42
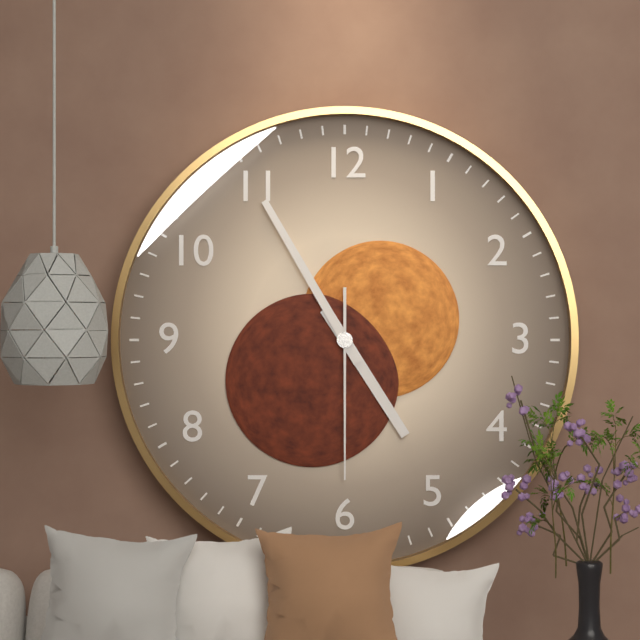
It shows 4:55:30
